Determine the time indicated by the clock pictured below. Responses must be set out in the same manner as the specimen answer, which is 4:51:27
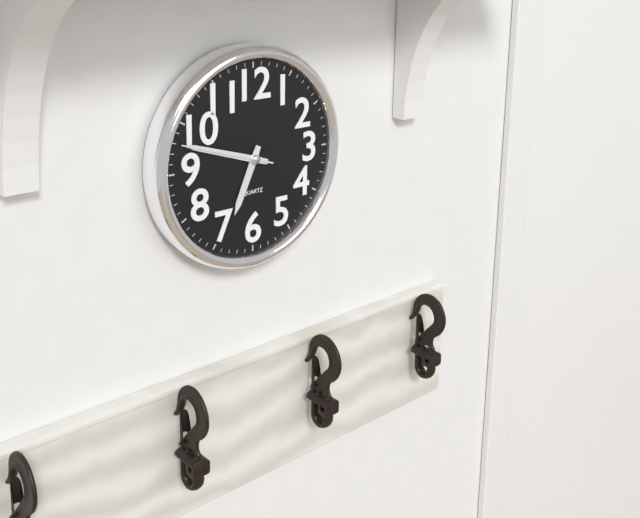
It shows 6:48:48
